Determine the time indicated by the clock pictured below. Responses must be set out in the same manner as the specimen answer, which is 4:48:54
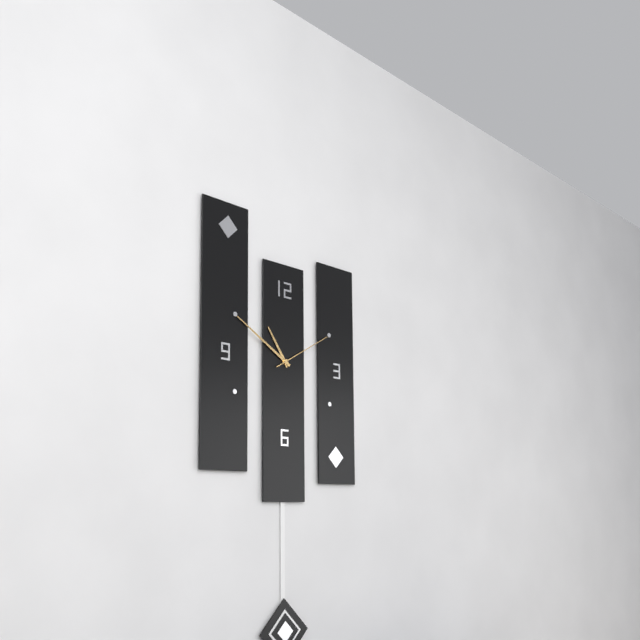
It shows 10:50:10
